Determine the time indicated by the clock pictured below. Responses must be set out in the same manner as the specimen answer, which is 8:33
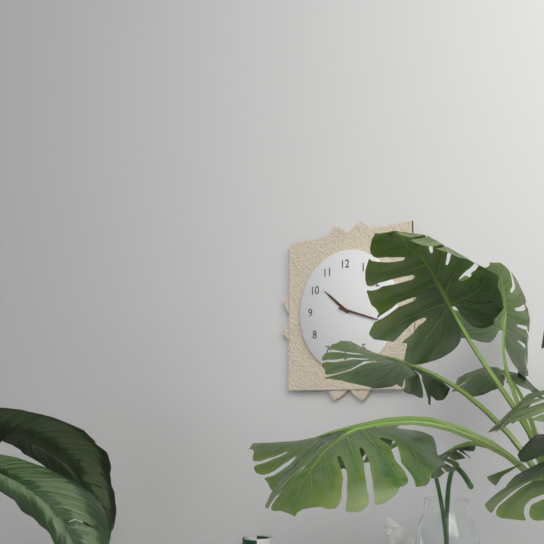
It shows 10:18
